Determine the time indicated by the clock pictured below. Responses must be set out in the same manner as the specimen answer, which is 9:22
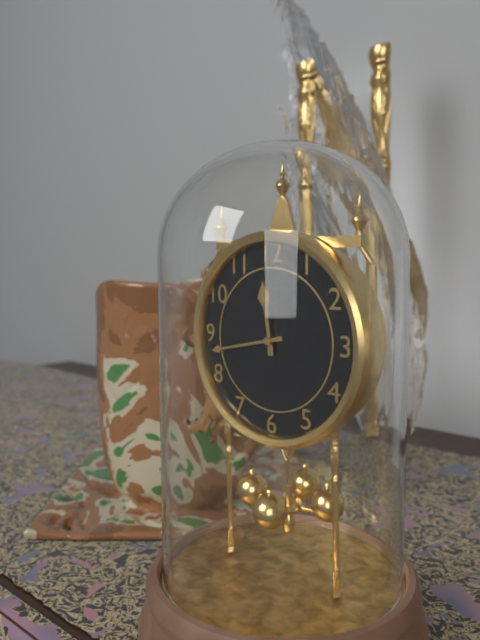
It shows 11:43
